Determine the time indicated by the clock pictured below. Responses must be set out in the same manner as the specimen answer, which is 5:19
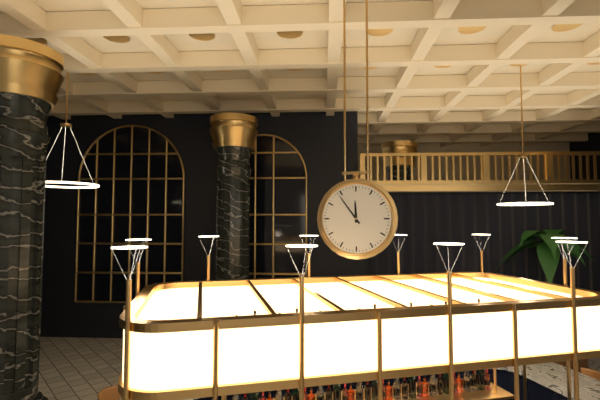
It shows 11:54
